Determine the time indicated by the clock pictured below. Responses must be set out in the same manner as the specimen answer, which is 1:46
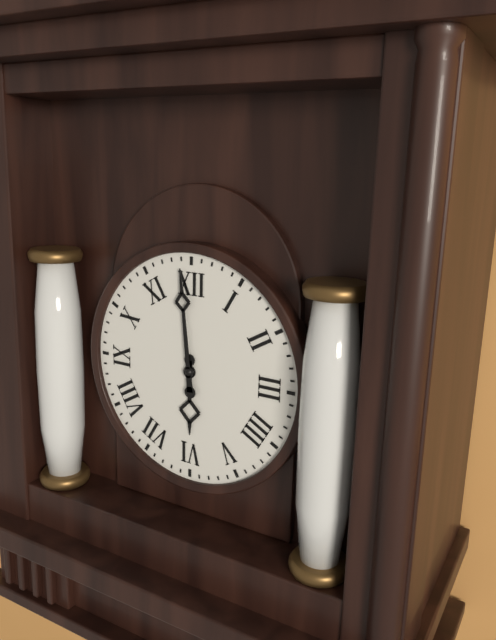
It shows 5:59
